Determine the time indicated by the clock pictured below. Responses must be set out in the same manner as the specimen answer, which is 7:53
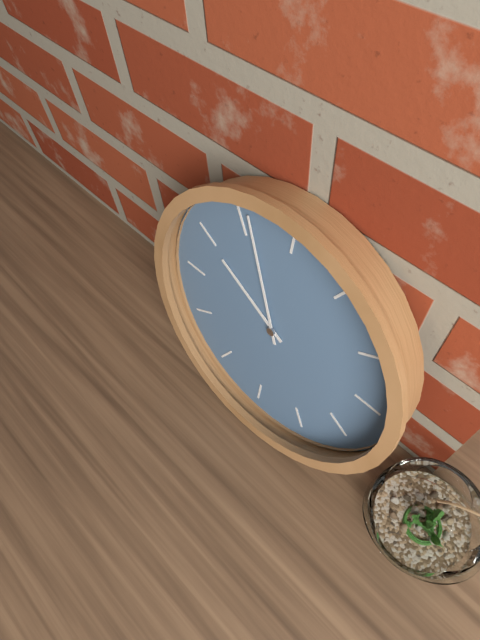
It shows 9:56
